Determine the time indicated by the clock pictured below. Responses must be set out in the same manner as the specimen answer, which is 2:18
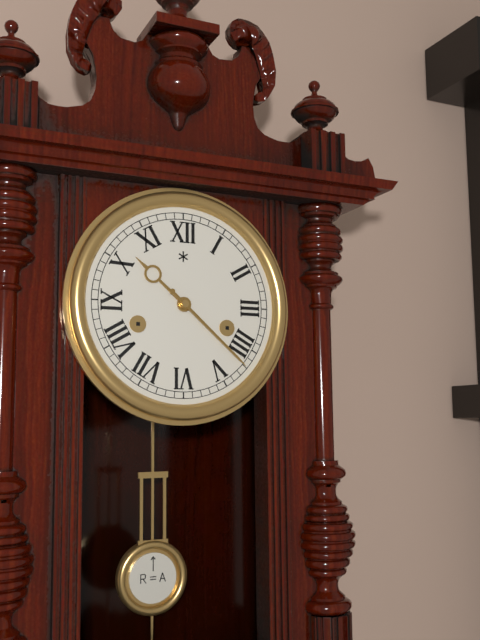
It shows 10:22
